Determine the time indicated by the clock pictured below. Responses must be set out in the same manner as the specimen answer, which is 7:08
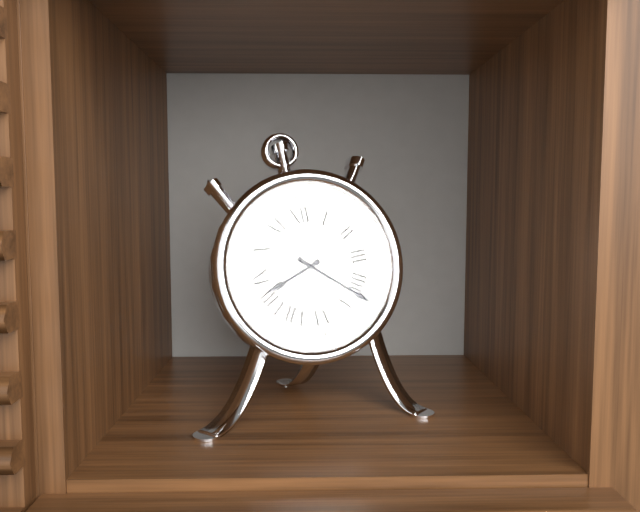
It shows 8:22
